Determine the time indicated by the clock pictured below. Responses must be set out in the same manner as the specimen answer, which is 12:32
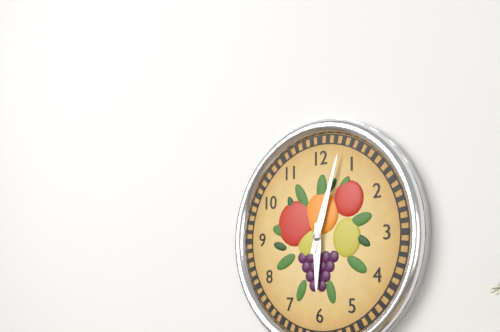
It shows 6:03
